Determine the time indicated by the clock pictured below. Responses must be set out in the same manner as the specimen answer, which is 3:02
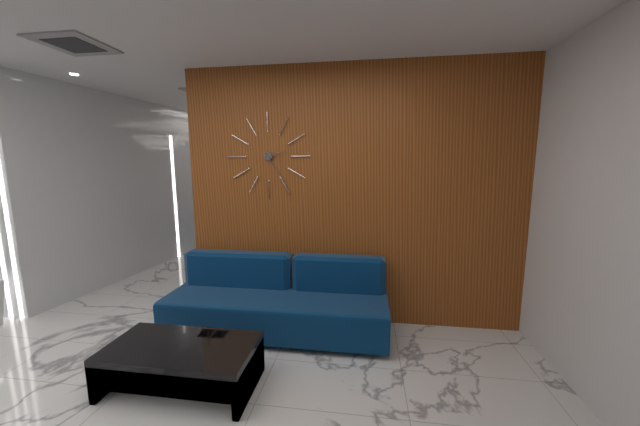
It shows 2:24
